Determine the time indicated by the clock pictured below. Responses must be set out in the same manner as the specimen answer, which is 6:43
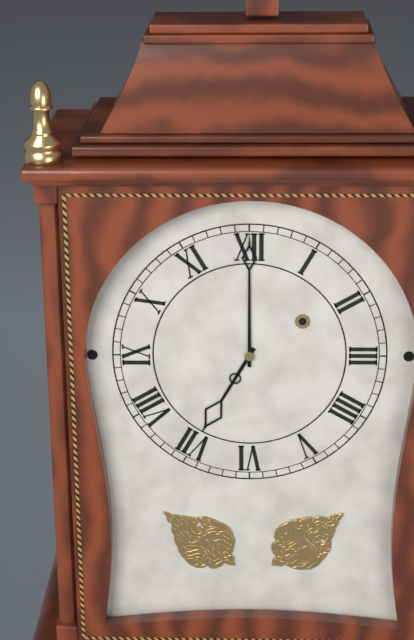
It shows 7:00
